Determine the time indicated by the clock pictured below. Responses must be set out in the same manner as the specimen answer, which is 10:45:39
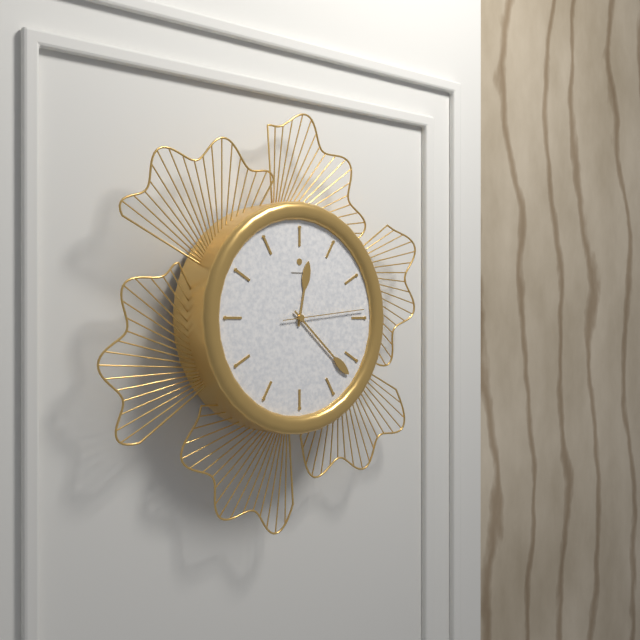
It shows 12:22:14
